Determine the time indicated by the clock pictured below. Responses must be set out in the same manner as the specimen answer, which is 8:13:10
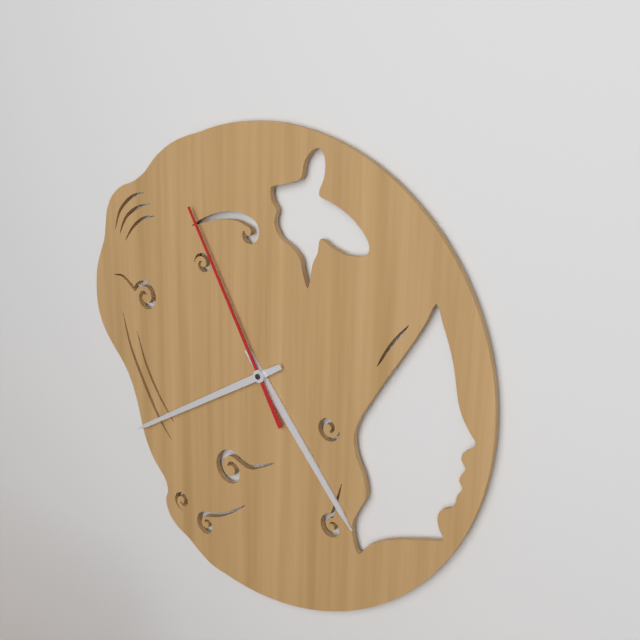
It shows 4:40:55
